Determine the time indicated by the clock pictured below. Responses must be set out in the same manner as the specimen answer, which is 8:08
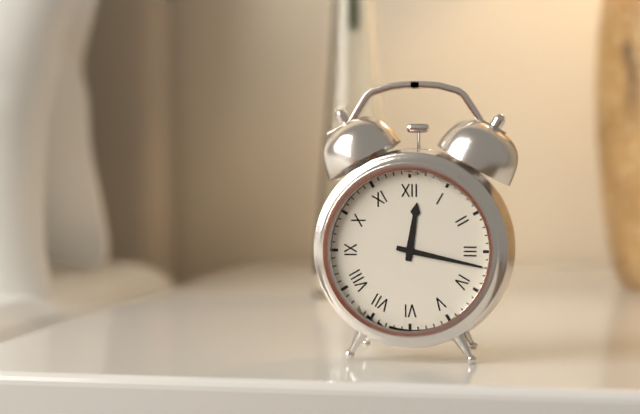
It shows 12:17
